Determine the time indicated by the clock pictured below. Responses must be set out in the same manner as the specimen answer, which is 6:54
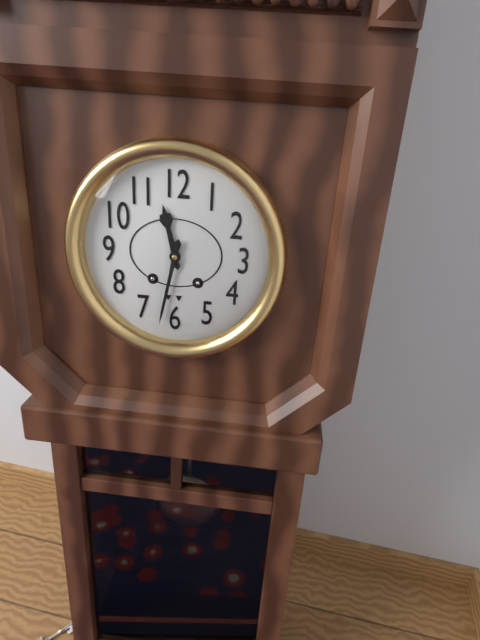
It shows 11:32
